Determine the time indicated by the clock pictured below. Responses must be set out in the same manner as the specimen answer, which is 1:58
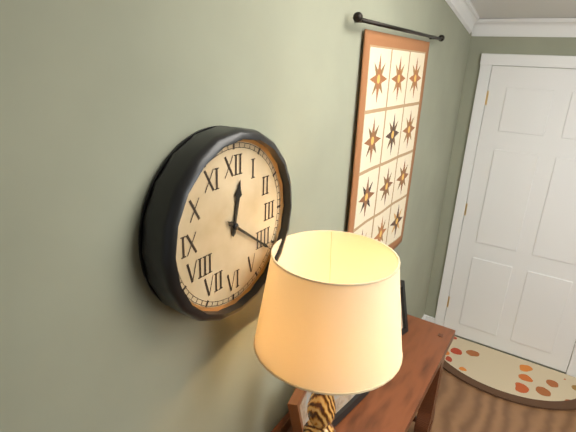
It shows 12:21
